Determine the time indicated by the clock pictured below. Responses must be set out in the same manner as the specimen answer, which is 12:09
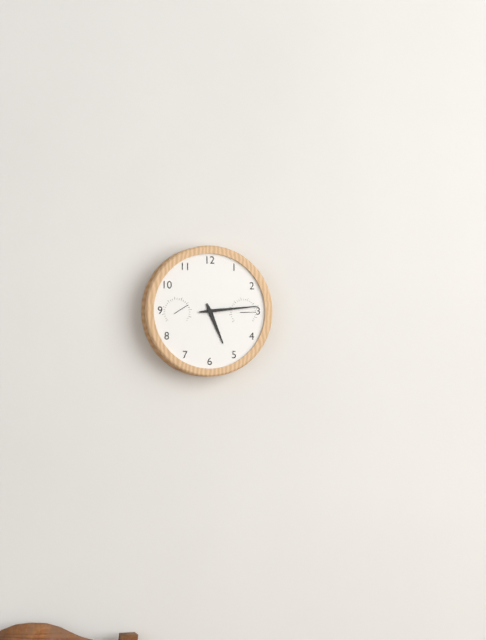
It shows 5:14
